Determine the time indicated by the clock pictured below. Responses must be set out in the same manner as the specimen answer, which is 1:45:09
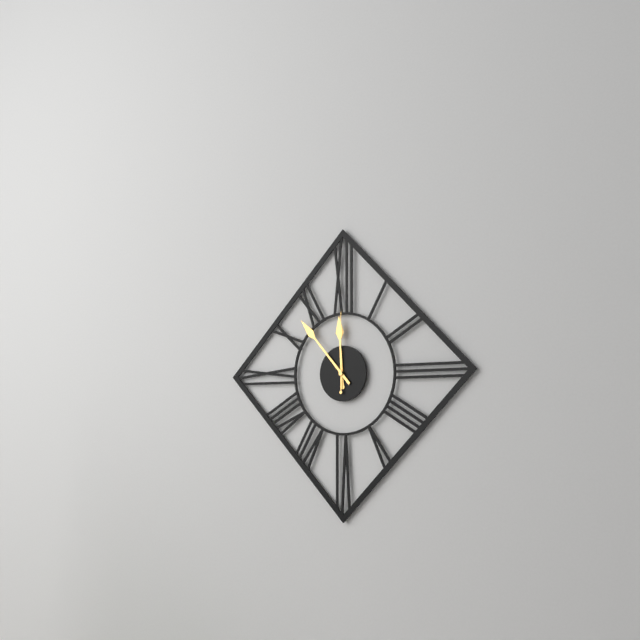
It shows 11:53:00
